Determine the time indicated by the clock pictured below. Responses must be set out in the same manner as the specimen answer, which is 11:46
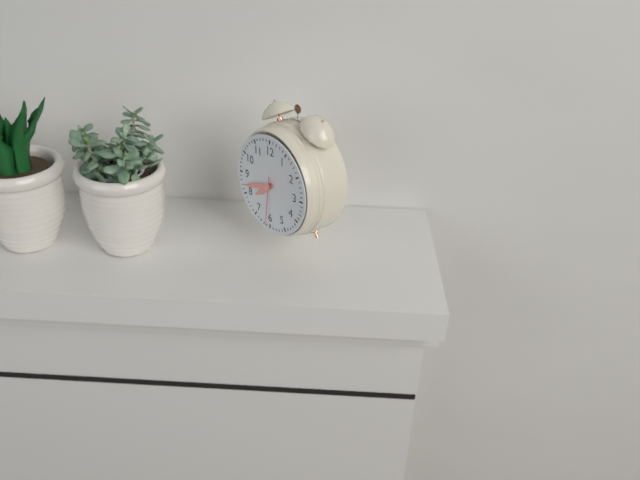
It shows 7:42
